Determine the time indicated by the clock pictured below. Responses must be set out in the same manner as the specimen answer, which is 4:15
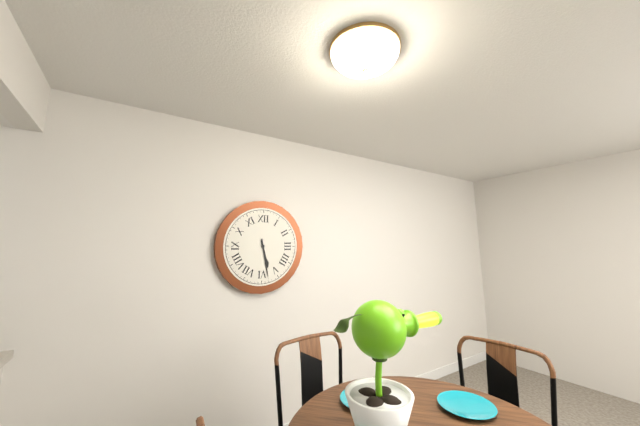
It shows 5:28
